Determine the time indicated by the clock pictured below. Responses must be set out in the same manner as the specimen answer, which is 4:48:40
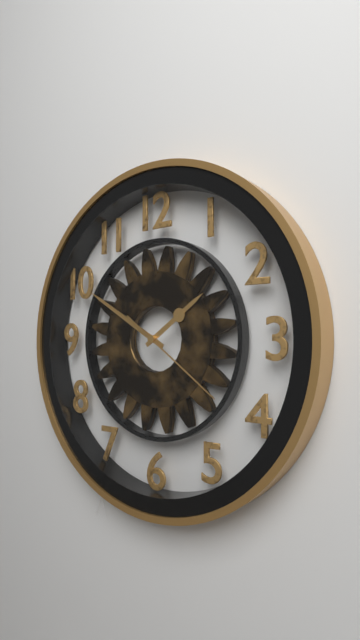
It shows 1:50:21
